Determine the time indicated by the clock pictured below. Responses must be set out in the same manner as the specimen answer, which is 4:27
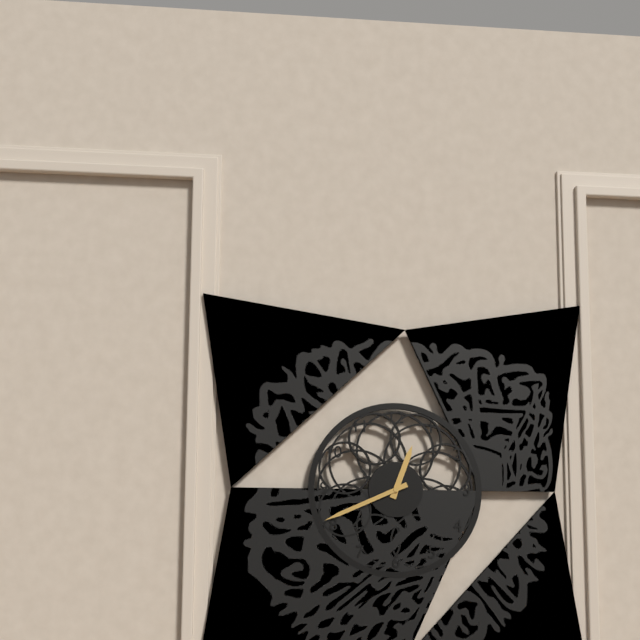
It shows 12:41
